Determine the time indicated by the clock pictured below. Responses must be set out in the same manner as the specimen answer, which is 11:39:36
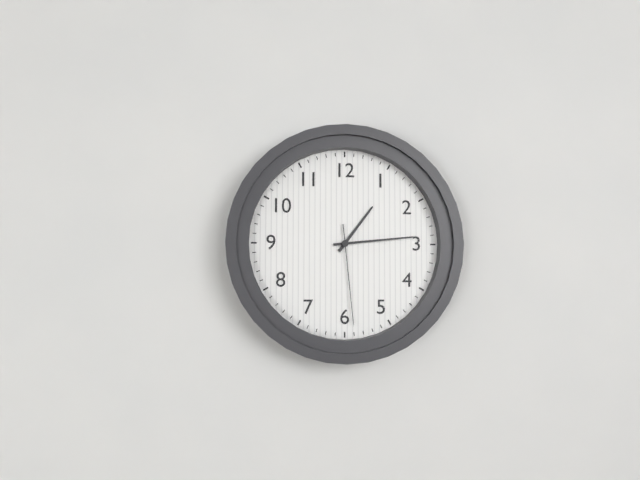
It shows 1:14:29
